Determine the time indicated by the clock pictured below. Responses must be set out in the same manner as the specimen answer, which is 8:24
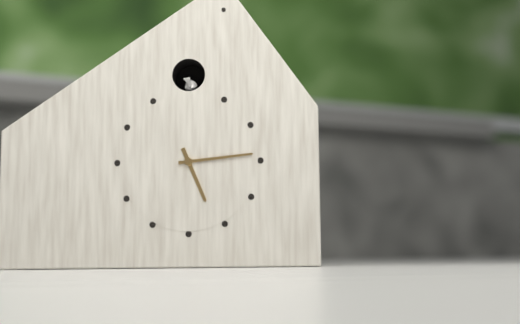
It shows 5:14
